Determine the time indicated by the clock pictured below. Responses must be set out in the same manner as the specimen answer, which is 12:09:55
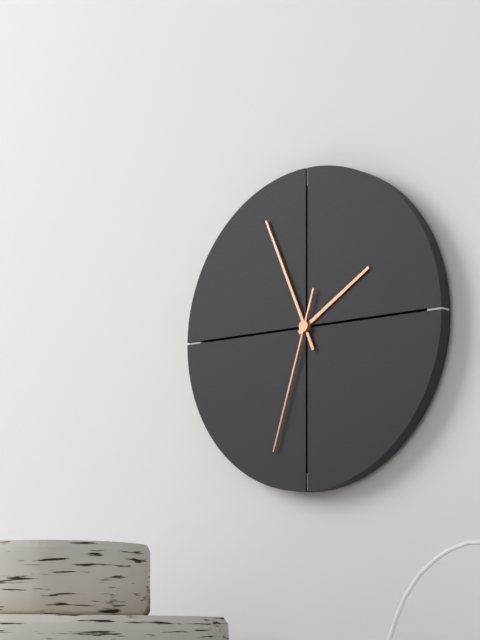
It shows 1:56:33
